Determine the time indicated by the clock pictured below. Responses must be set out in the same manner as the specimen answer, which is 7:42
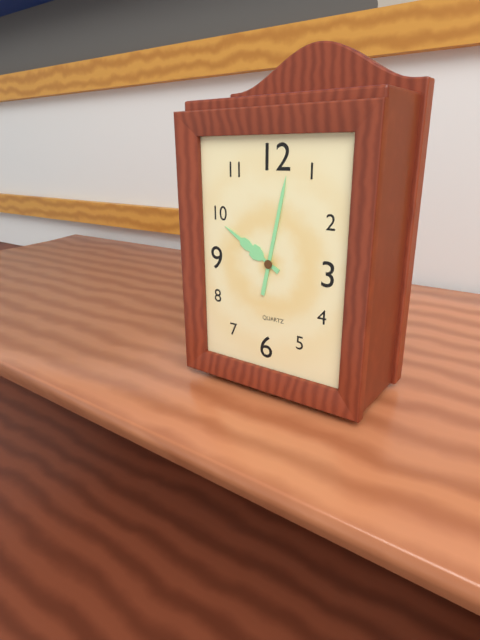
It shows 10:02
